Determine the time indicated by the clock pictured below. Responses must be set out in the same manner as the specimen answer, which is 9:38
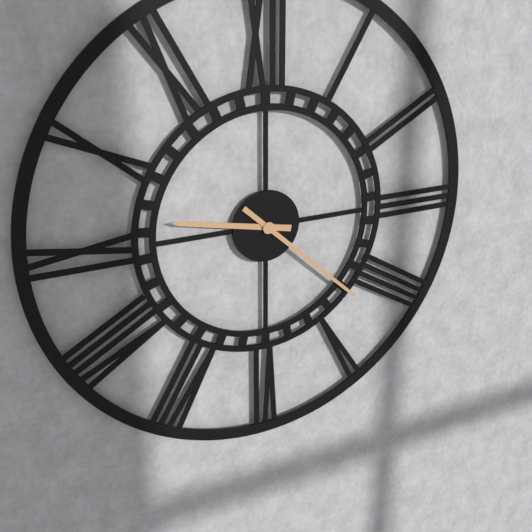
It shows 9:22
